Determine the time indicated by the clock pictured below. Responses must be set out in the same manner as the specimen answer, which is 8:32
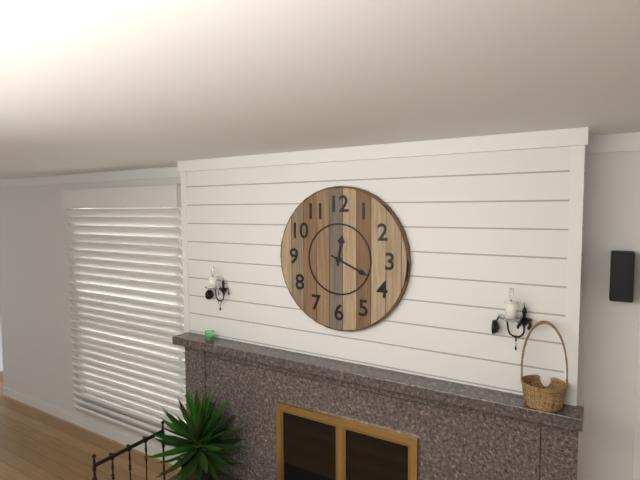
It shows 12:19
